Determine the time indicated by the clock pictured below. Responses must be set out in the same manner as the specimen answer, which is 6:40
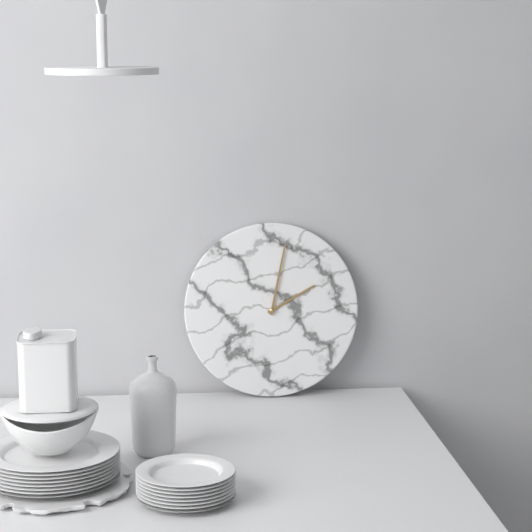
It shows 2:02
